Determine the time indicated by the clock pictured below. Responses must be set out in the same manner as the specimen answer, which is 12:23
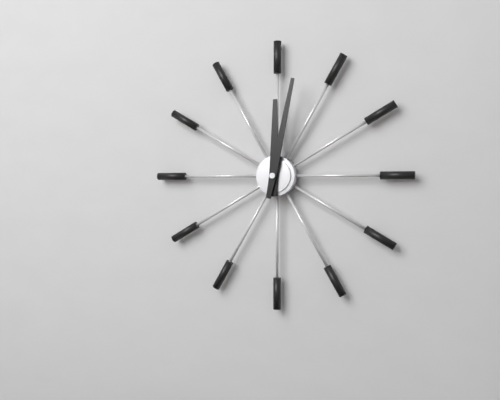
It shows 12:02
